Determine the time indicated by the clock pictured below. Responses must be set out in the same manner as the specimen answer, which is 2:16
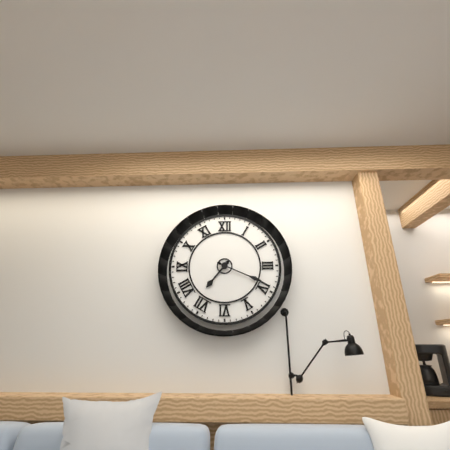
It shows 7:19
